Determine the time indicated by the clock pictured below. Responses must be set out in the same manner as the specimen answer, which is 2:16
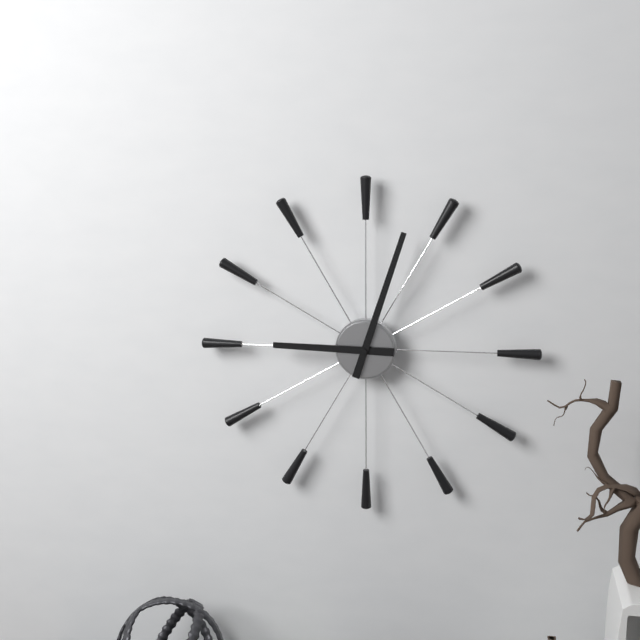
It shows 9:03
